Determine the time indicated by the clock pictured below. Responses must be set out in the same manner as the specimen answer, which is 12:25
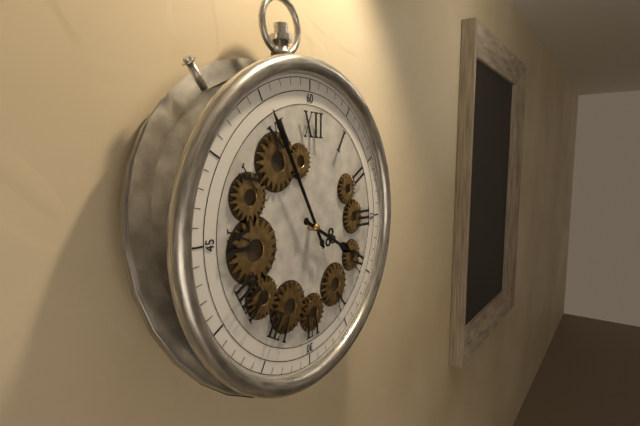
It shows 3:55
